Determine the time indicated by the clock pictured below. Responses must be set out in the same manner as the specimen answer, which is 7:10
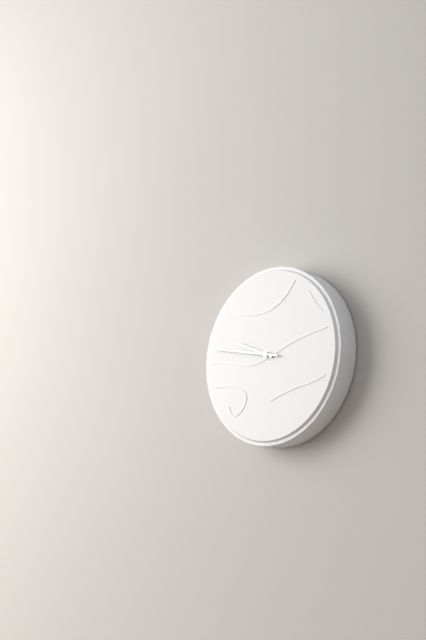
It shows 9:47
